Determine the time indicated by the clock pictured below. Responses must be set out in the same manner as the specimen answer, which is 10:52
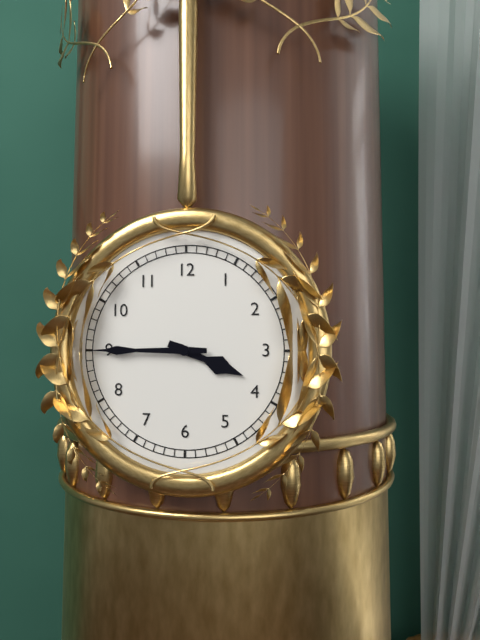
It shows 3:45
